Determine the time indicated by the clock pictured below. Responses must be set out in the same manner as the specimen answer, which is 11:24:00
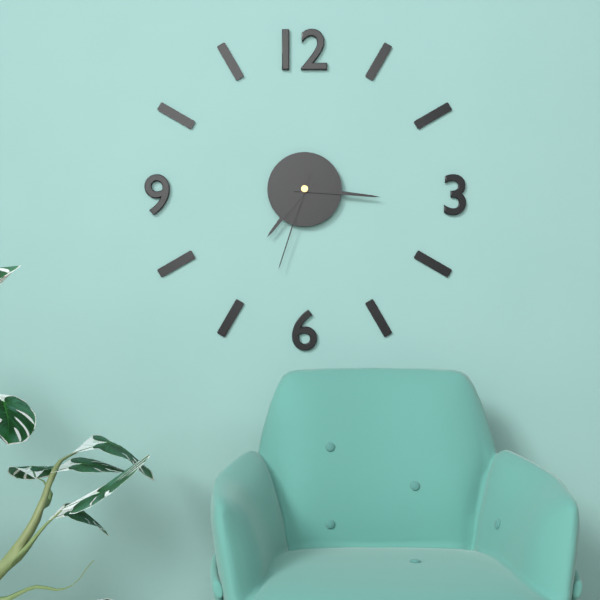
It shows 7:16:33
